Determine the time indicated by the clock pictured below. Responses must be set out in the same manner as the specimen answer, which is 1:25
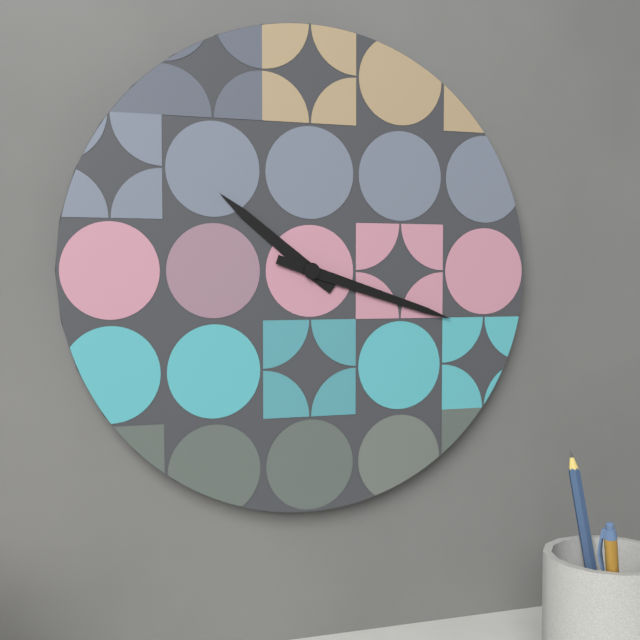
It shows 10:18
